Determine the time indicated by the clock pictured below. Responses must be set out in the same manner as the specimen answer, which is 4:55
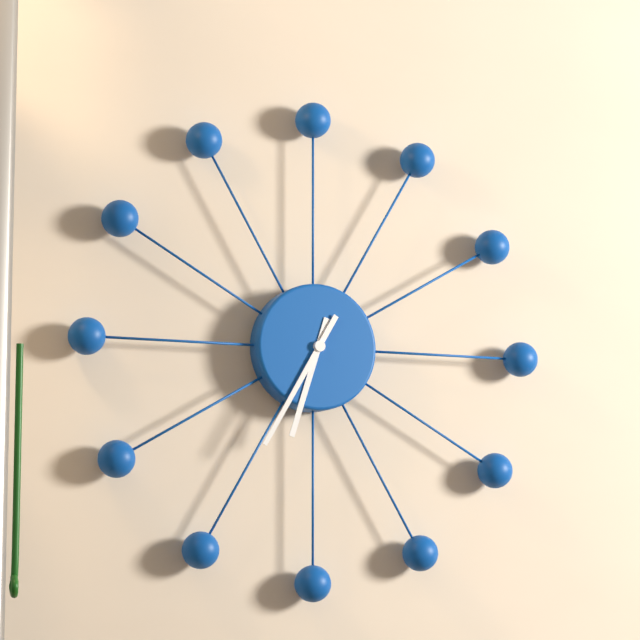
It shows 6:35
